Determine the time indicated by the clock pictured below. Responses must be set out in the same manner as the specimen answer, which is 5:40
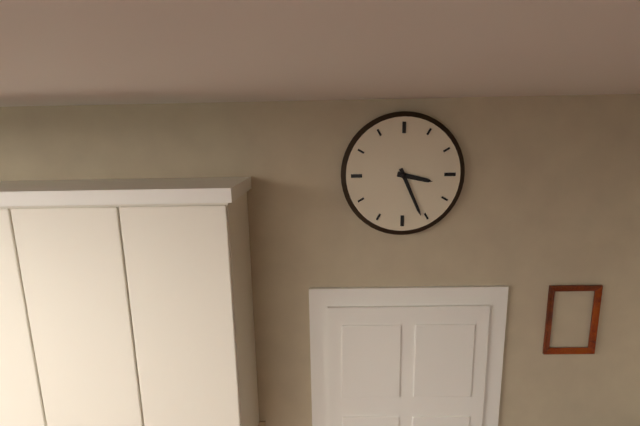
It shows 3:26
